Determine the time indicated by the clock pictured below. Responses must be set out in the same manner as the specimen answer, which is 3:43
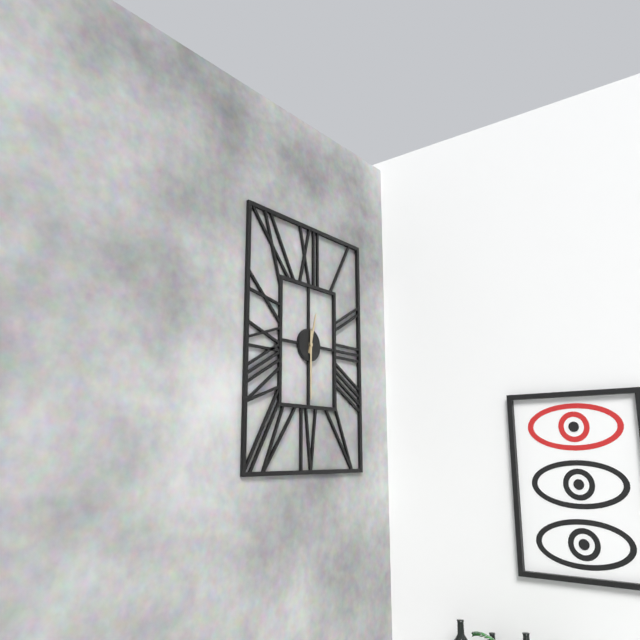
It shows 12:30
